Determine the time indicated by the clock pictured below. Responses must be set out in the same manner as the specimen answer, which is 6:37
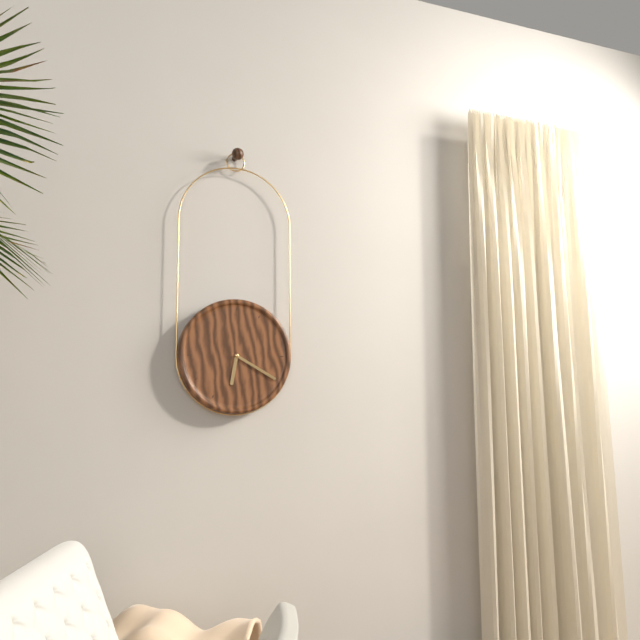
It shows 6:20
